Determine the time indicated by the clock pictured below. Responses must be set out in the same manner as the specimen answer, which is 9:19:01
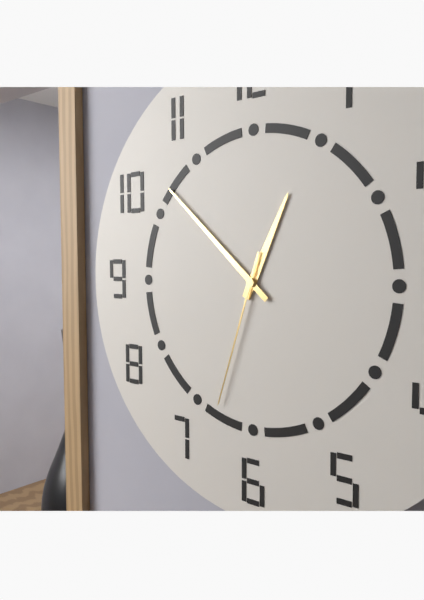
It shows 12:52:33
